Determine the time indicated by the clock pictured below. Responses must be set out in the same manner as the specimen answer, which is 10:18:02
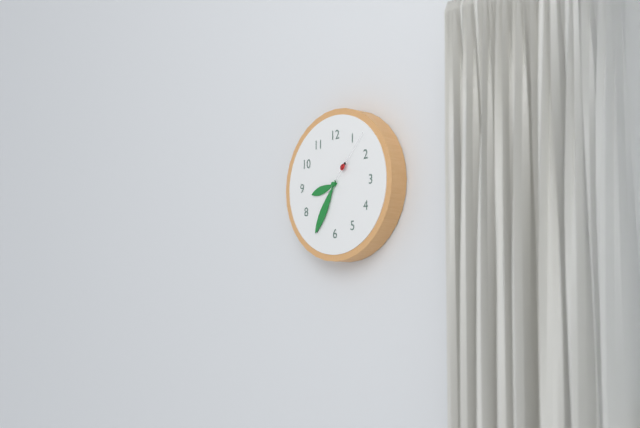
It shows 8:35:07
